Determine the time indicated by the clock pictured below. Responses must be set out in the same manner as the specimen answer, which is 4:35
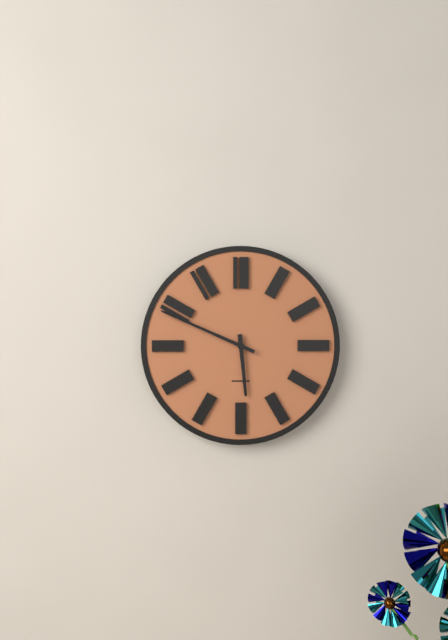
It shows 5:49
